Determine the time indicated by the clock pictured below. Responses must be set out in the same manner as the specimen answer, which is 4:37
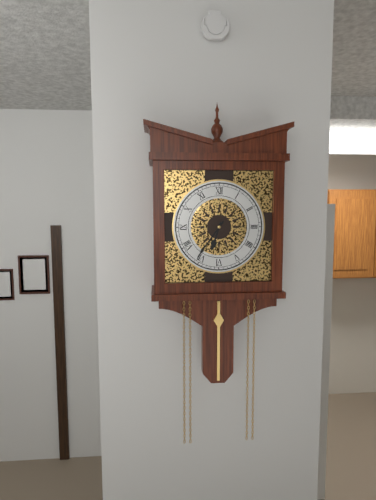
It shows 6:36
